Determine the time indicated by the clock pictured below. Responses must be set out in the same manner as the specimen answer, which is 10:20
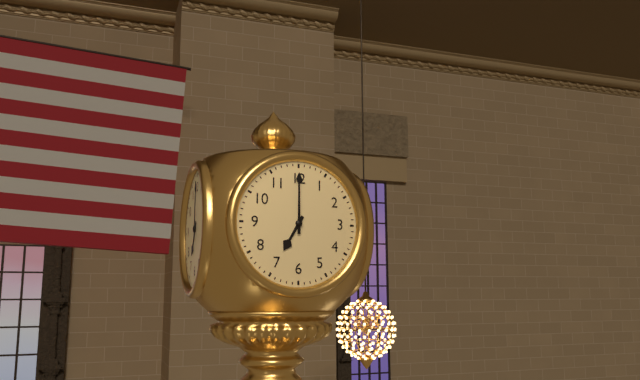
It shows 7:00
